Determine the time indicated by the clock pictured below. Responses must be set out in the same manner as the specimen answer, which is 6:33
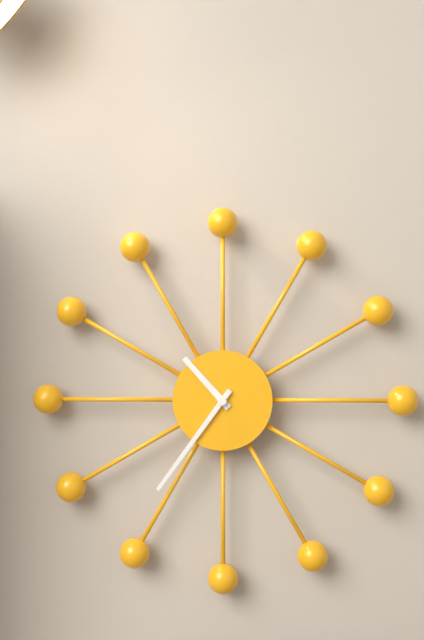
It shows 10:36
